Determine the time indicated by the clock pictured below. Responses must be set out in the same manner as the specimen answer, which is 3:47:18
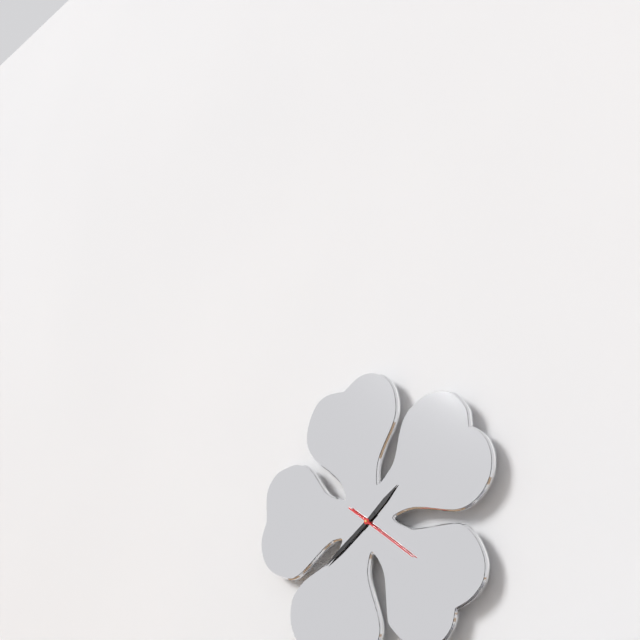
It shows 1:39:21
